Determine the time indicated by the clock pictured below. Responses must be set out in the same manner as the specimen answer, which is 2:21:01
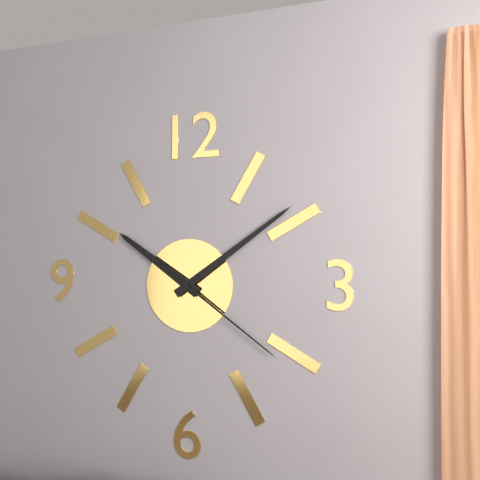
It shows 10:09:21
